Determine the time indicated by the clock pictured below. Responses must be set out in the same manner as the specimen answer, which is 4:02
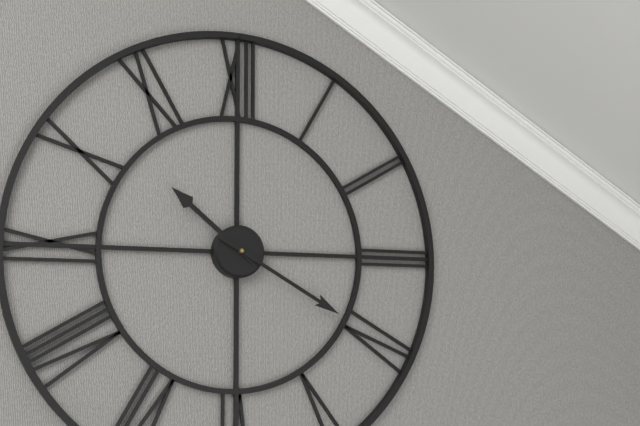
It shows 10:20
